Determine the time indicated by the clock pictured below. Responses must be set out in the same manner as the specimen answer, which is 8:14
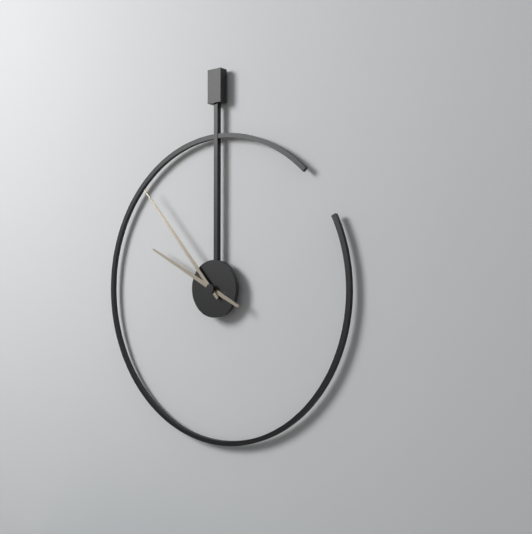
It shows 9:53
